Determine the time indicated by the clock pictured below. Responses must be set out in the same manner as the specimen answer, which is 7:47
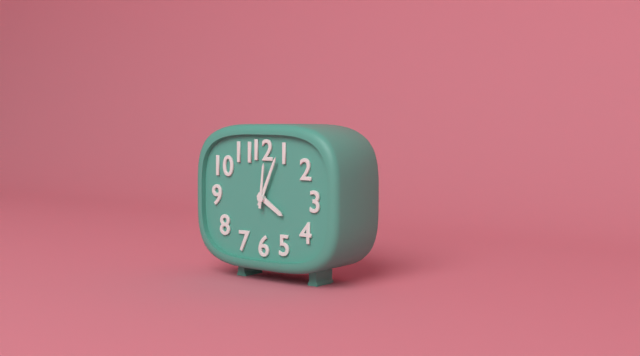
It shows 4:04
